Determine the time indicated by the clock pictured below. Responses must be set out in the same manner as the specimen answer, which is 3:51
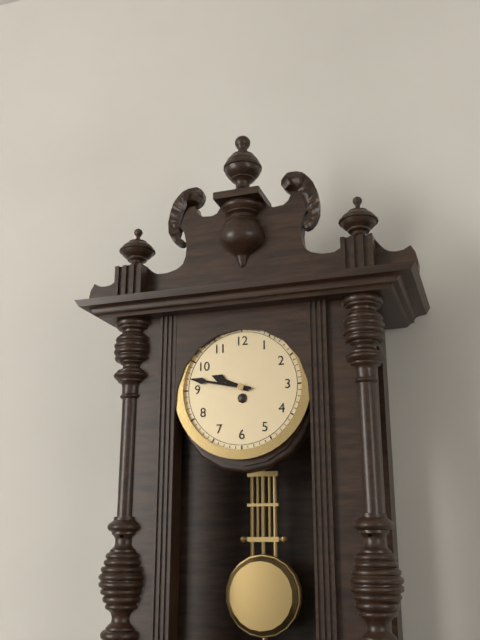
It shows 9:47
